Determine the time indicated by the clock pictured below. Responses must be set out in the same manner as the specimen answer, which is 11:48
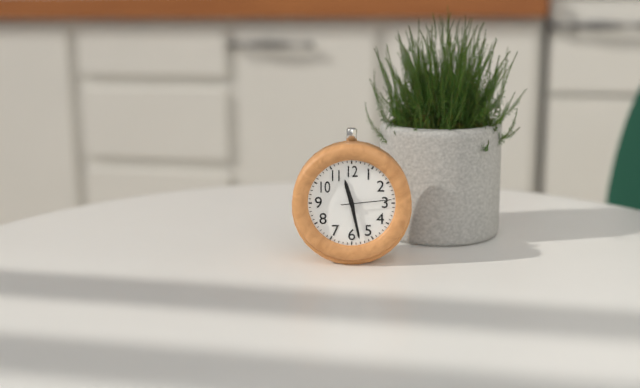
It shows 11:28
